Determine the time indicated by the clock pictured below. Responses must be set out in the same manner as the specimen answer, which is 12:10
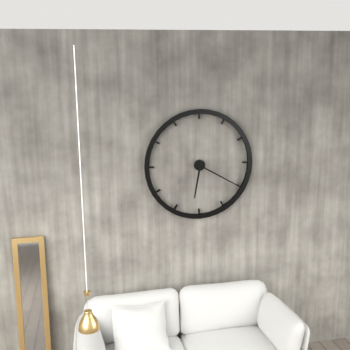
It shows 6:20
